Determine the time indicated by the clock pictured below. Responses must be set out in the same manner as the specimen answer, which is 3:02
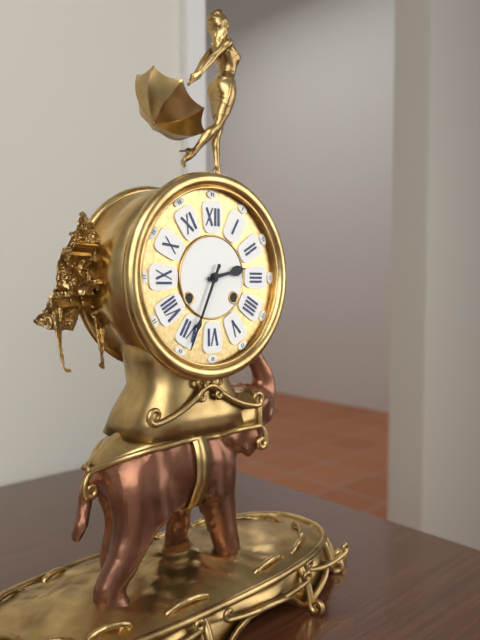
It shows 2:34
